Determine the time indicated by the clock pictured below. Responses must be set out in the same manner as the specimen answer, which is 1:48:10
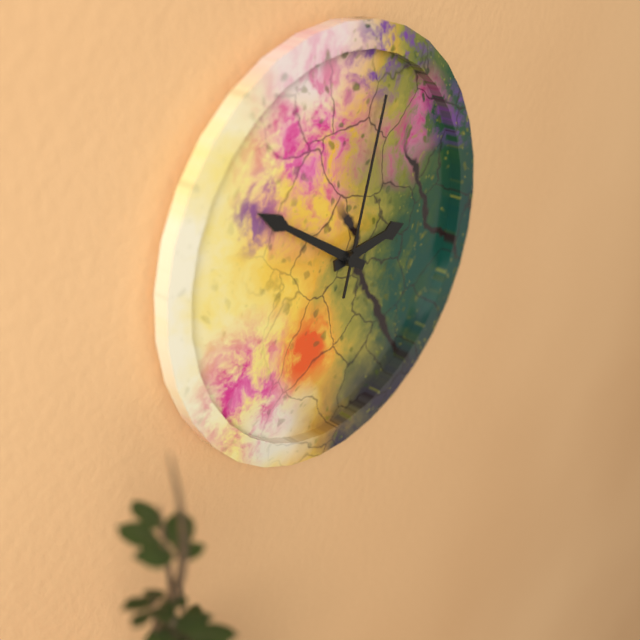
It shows 2:51:03
